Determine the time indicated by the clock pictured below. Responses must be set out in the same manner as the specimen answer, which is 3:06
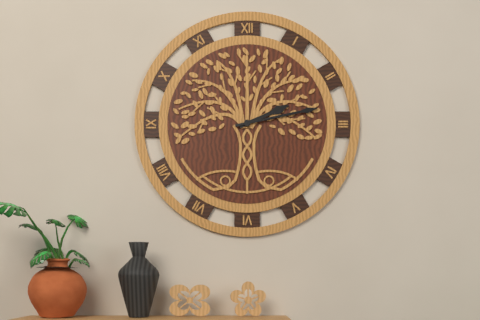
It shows 2:13
